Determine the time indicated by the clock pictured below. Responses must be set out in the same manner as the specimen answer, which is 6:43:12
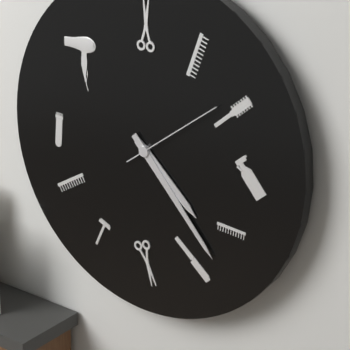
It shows 4:23:09
